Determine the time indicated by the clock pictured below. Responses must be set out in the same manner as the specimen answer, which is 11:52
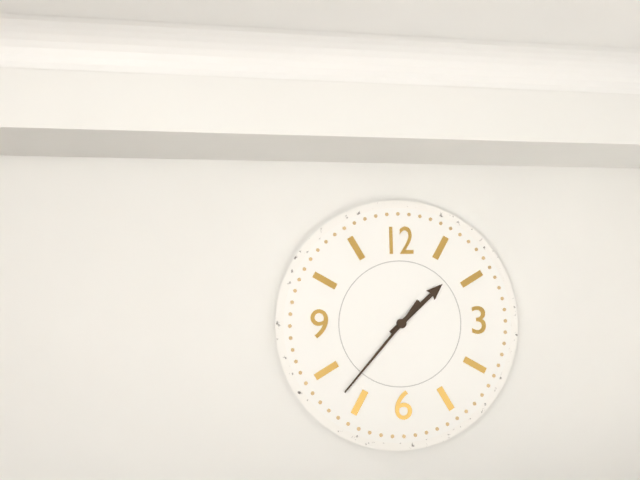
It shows 1:37
